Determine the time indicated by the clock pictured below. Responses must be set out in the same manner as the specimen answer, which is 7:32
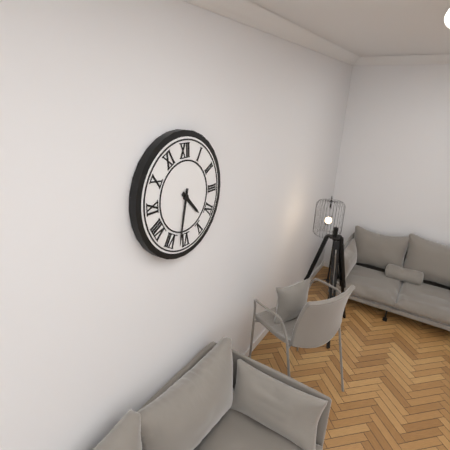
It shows 4:32
